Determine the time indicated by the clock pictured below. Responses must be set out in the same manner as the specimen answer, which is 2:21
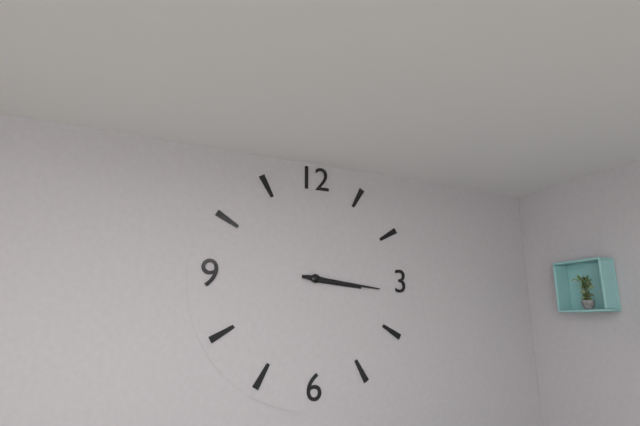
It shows 3:16
